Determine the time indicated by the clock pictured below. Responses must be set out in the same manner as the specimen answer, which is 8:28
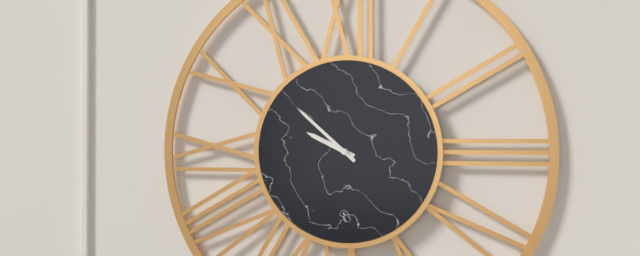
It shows 9:52
